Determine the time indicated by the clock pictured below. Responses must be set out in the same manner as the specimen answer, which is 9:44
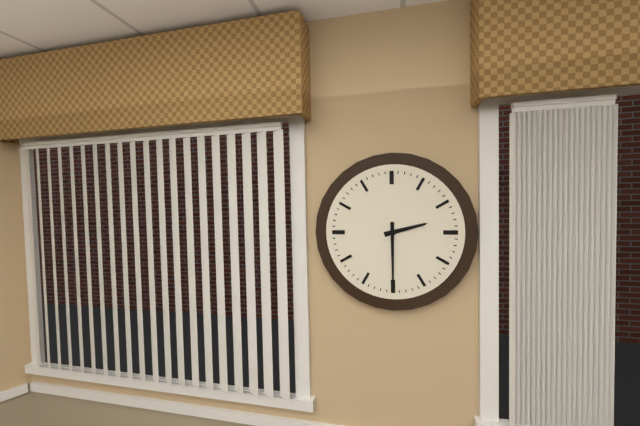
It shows 2:30
